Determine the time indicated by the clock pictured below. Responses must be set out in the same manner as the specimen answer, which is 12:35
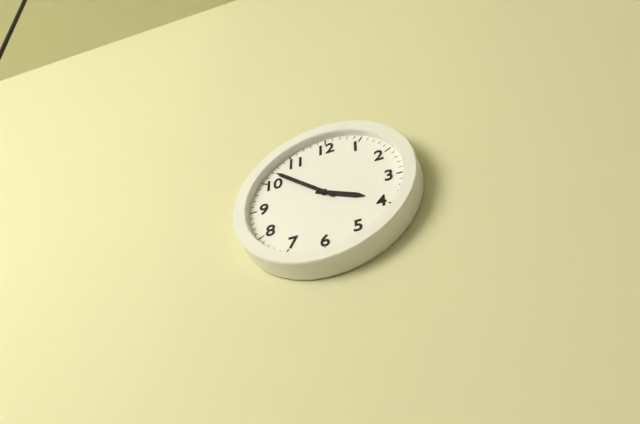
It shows 3:52
